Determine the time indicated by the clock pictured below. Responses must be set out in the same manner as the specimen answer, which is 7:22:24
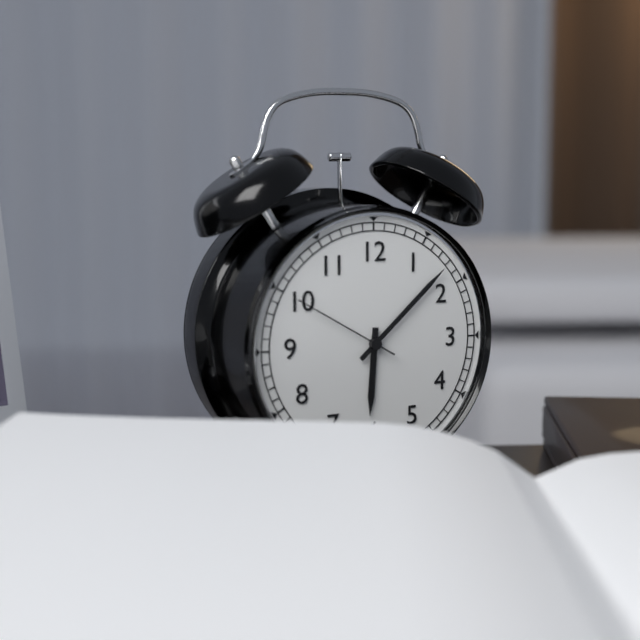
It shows 6:08:50
